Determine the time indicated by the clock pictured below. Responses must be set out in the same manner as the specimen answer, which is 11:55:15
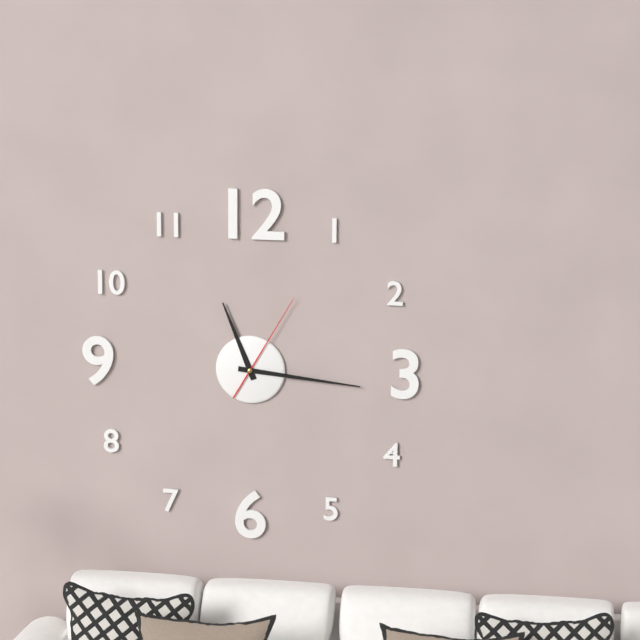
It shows 11:16:05
